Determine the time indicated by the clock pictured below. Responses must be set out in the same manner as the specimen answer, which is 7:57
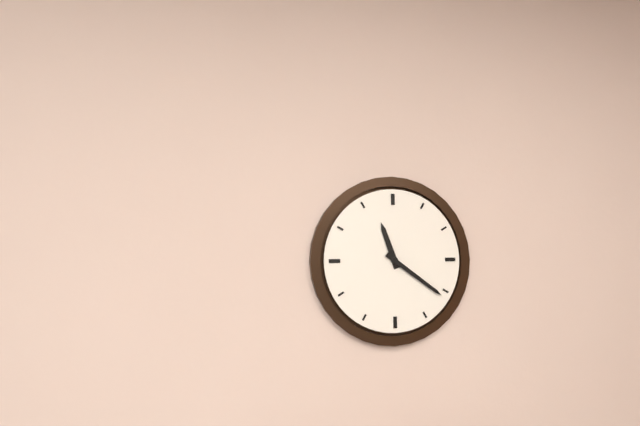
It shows 11:21
